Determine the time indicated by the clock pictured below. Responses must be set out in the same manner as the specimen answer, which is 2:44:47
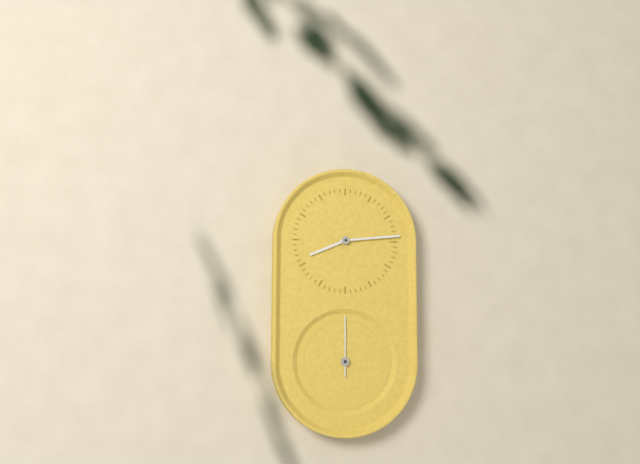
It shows 8:14:00
